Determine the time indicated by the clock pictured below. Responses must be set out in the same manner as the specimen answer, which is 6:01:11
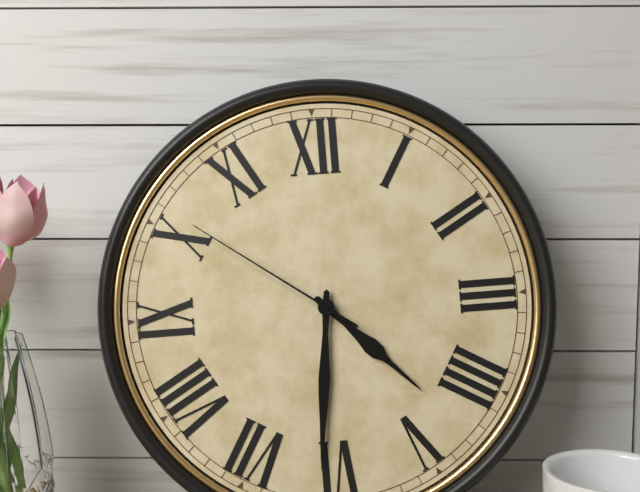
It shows 4:31:51
